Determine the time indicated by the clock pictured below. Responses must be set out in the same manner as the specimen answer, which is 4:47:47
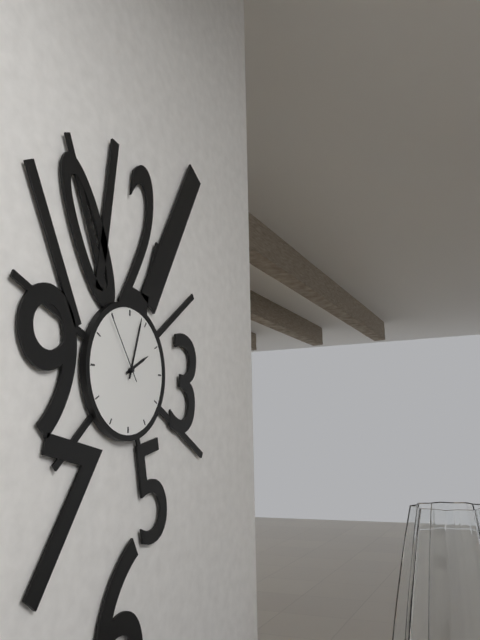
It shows 2:03:54
